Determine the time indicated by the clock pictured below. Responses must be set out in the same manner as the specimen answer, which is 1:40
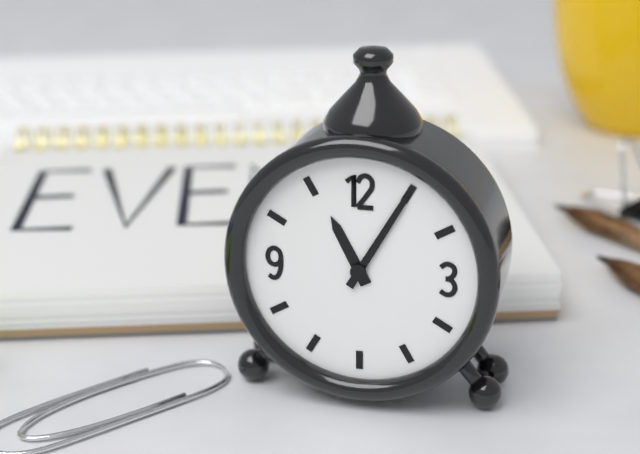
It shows 11:05
